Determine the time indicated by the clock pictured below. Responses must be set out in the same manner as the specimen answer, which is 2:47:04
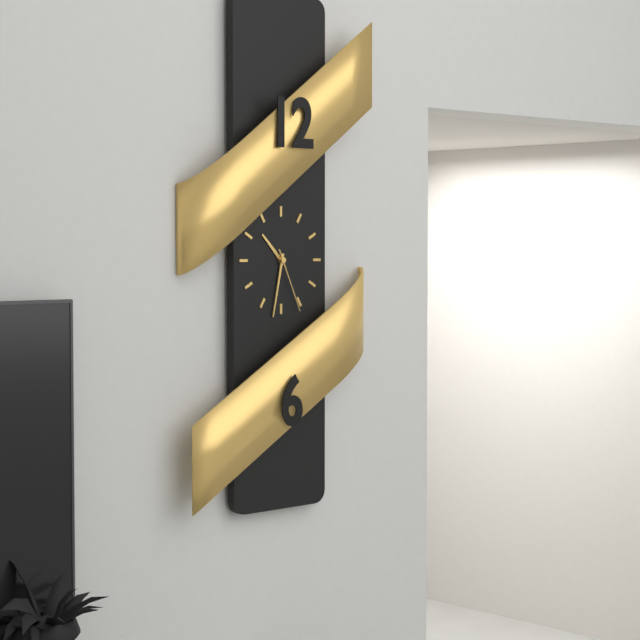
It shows 10:32:26
